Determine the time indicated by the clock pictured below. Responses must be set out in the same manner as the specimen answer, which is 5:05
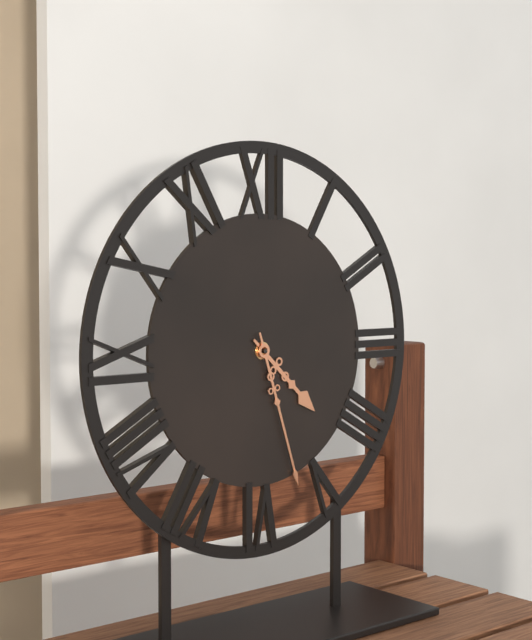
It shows 4:27
